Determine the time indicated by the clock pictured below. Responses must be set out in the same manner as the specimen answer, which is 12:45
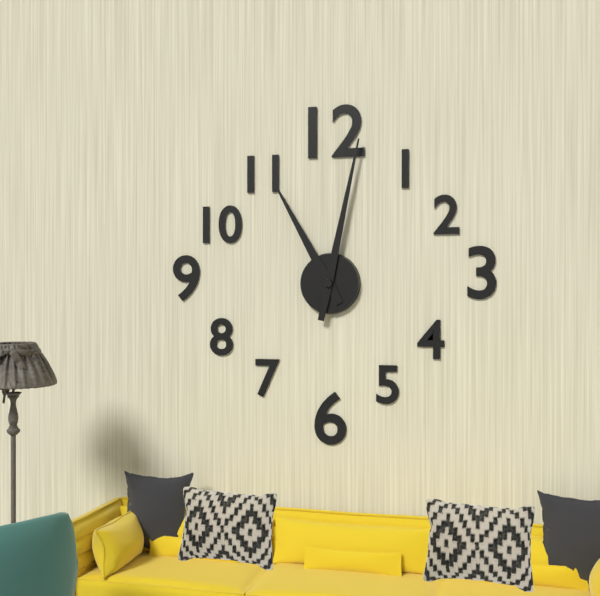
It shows 11:02
